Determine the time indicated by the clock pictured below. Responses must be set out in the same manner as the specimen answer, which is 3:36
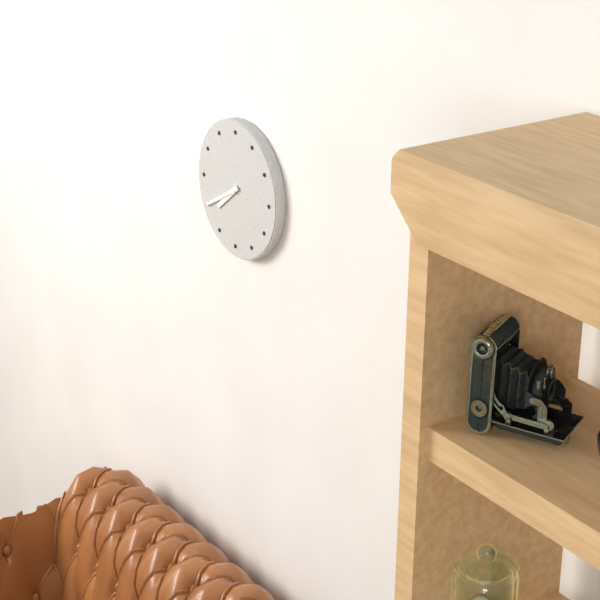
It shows 7:40
